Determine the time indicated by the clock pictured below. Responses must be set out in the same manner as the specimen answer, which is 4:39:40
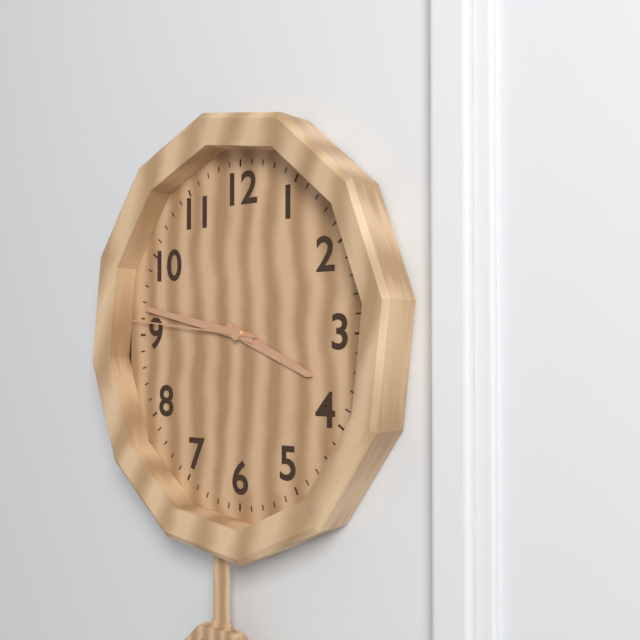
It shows 3:47:46
